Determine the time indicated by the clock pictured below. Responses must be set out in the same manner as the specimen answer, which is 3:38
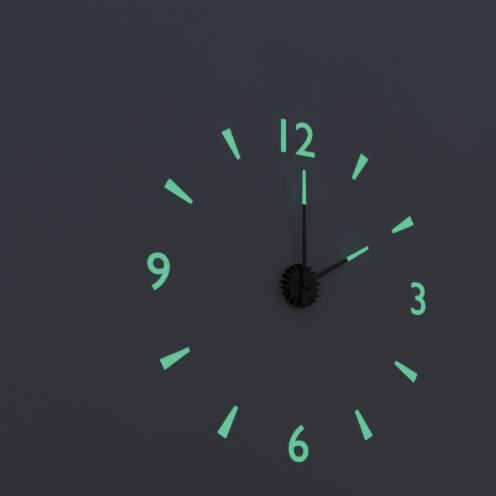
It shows 2:00
